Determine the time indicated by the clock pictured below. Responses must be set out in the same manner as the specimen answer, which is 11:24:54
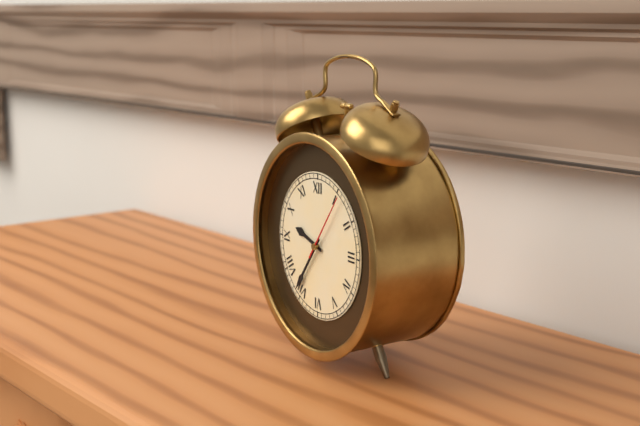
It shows 9:36:06
